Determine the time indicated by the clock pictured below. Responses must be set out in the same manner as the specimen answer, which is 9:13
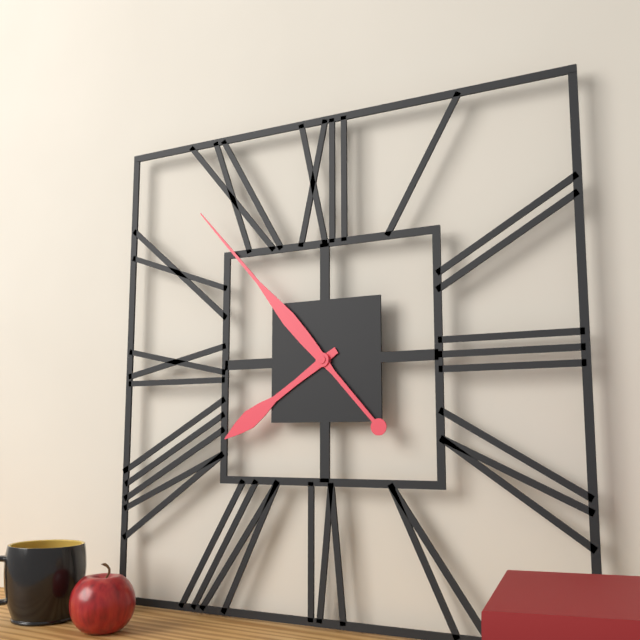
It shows 7:53
